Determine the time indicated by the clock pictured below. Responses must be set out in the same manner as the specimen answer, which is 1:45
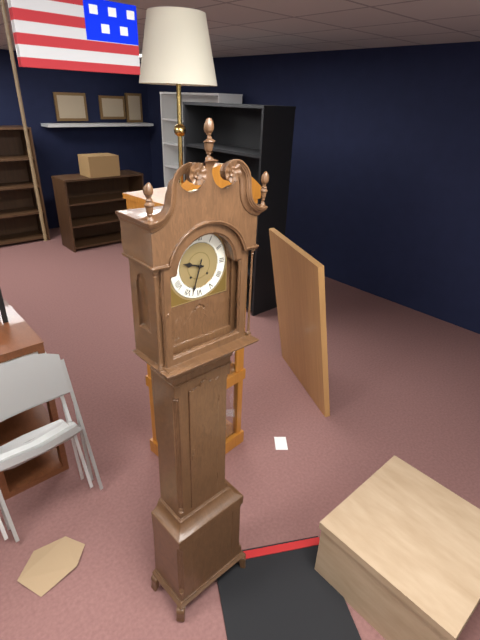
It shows 9:33
